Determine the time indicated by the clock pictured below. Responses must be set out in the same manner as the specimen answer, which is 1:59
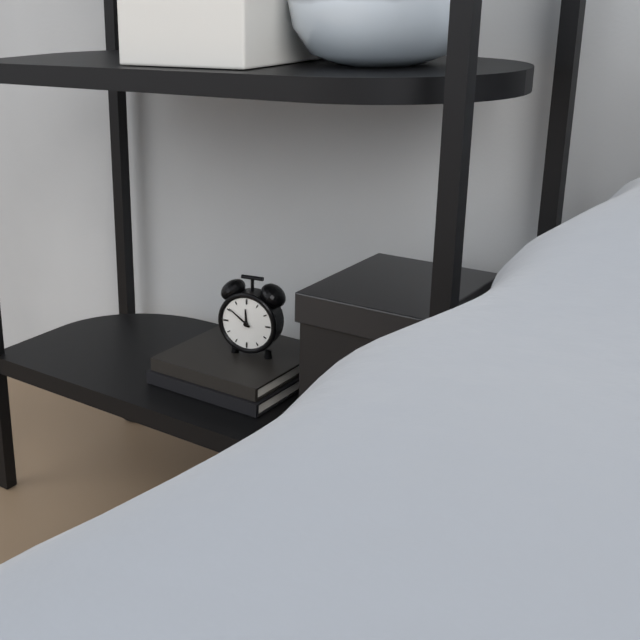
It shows 11:51
